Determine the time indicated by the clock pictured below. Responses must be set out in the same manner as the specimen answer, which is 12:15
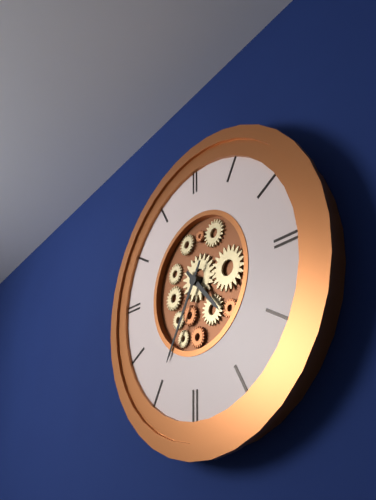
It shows 4:35
